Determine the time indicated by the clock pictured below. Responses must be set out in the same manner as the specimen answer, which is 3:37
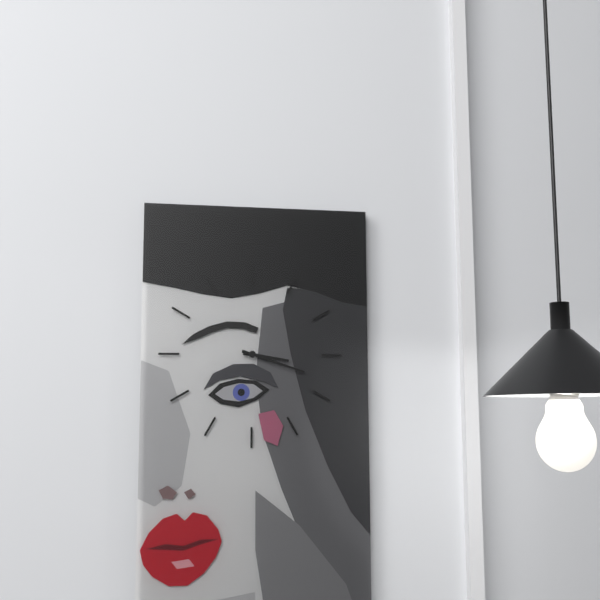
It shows 3:18
